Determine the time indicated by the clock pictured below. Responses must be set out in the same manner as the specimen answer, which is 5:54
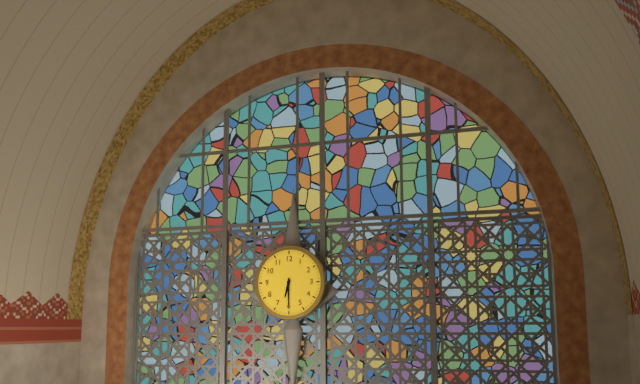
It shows 6:30
